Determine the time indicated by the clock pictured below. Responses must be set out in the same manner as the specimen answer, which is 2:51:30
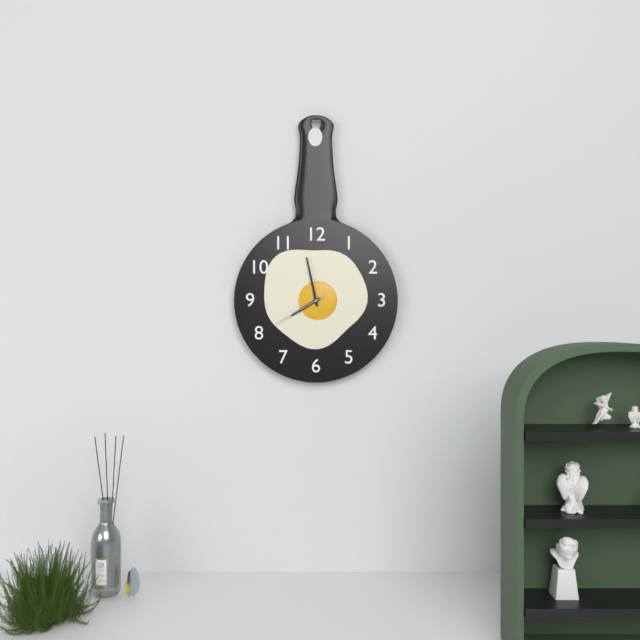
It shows 7:58:40
